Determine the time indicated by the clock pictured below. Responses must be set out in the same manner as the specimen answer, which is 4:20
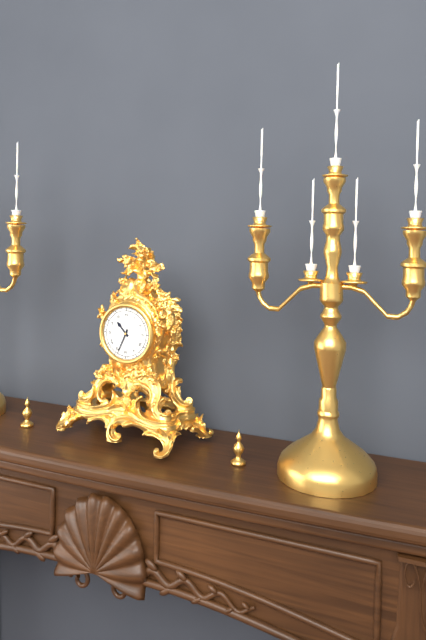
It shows 10:34
